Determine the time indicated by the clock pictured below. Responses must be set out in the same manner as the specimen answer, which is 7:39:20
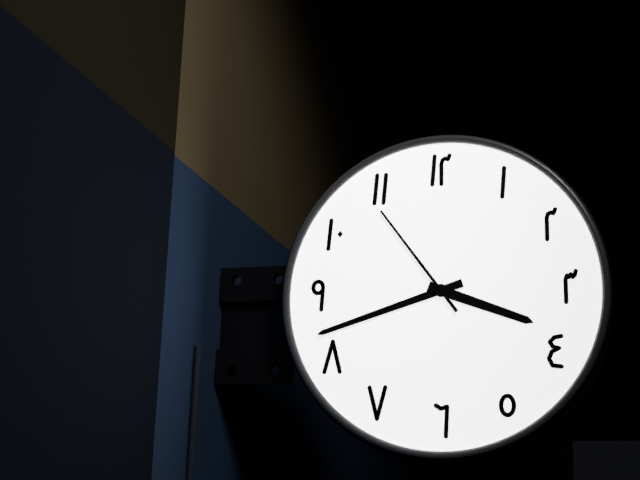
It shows 3:42:54
